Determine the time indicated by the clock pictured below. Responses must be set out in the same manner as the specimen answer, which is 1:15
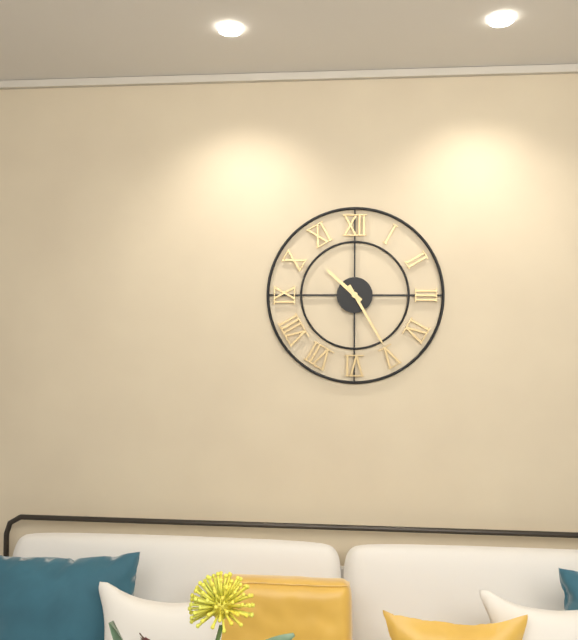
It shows 10:25
